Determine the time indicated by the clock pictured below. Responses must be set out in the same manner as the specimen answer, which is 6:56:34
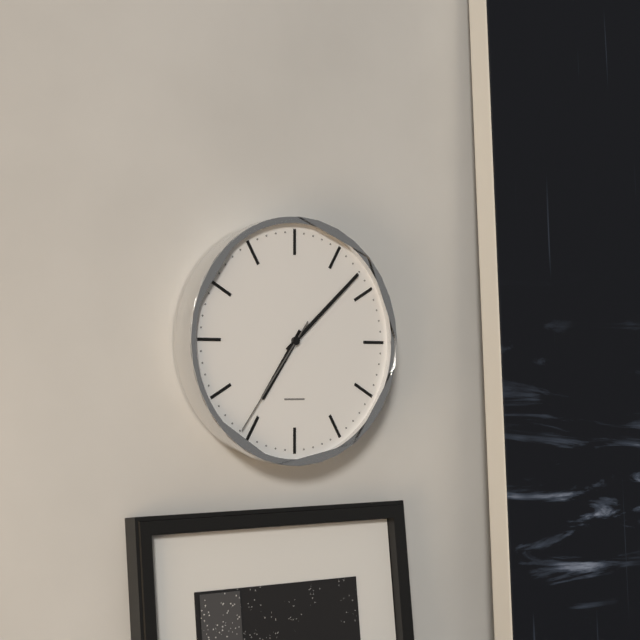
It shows 7:08:36
